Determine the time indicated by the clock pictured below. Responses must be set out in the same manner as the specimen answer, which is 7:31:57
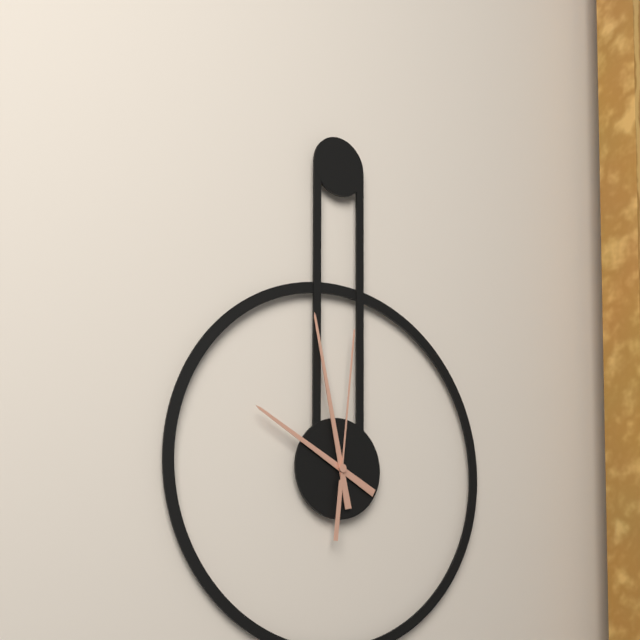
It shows 9:58:01
